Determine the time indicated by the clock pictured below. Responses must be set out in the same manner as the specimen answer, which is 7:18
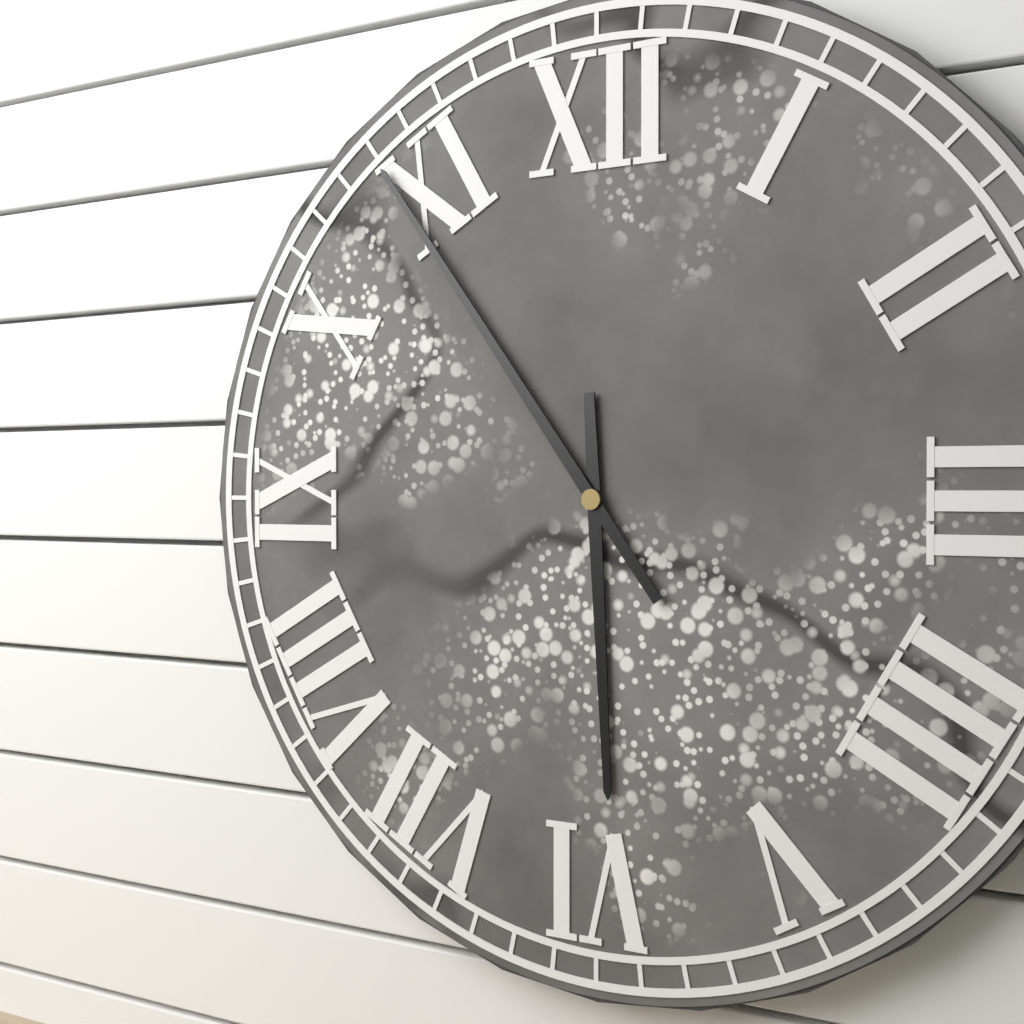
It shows 5:54
